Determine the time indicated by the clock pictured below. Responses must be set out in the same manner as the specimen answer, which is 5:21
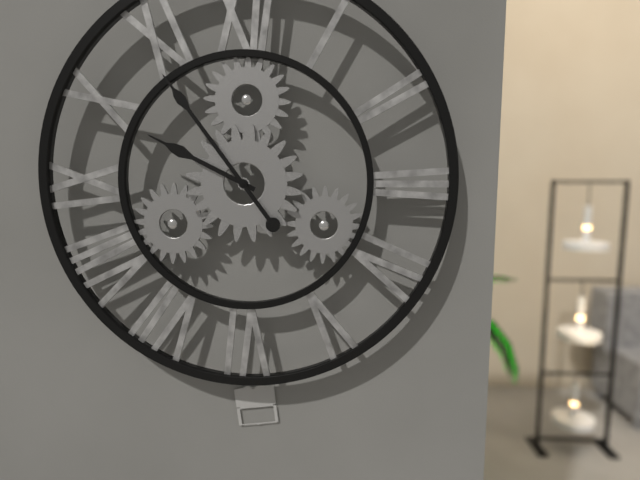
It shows 9:54
